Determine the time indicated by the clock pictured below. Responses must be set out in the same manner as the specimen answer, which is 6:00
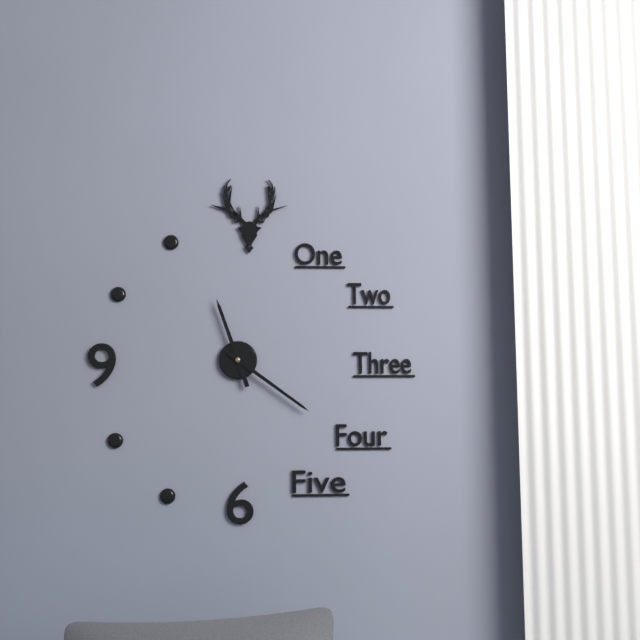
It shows 11:21
